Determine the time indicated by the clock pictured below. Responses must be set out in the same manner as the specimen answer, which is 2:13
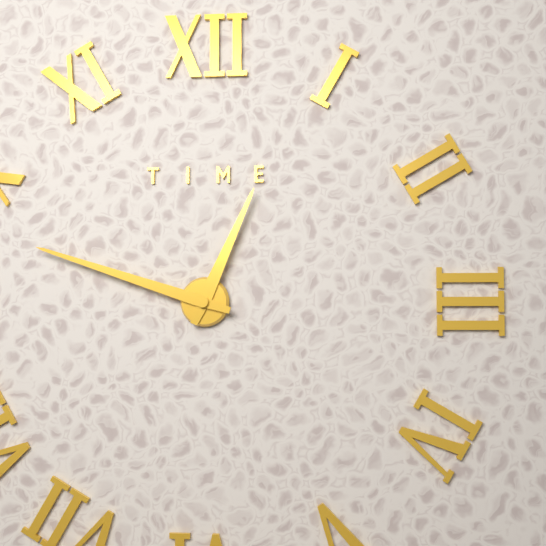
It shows 12:48
